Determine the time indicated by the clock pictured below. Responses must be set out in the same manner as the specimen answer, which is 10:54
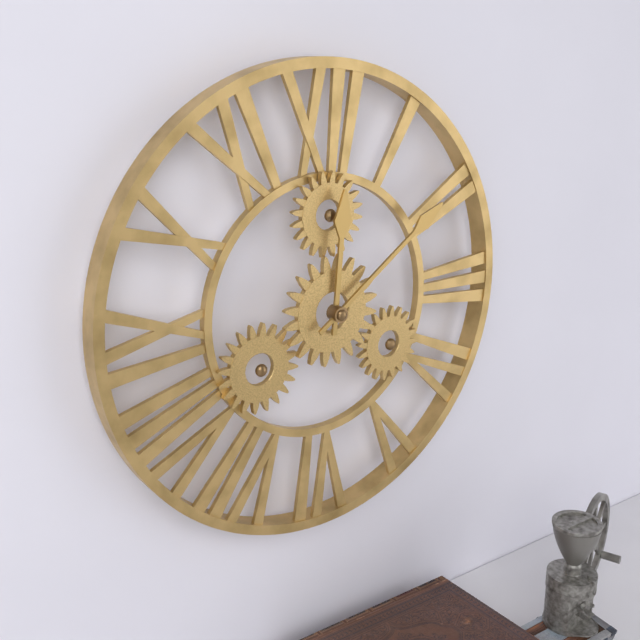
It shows 12:09
